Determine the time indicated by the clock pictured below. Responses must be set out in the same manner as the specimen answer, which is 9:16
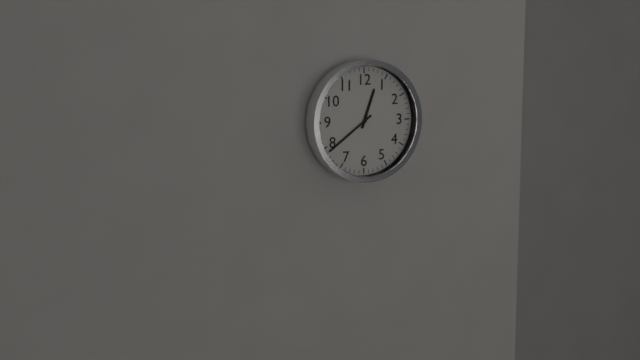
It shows 12:39
